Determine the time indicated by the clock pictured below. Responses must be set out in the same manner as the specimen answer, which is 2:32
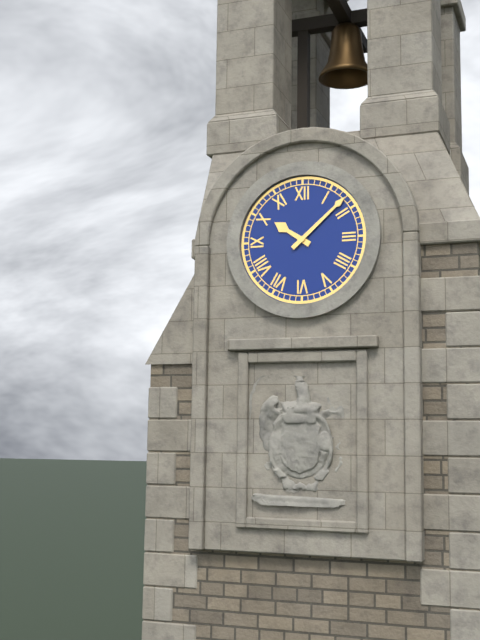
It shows 10:08
